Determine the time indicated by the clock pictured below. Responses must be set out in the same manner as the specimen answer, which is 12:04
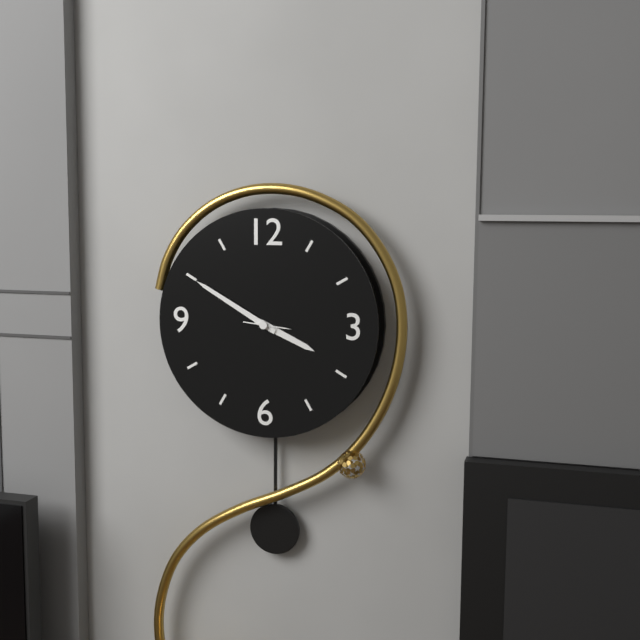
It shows 3:50
